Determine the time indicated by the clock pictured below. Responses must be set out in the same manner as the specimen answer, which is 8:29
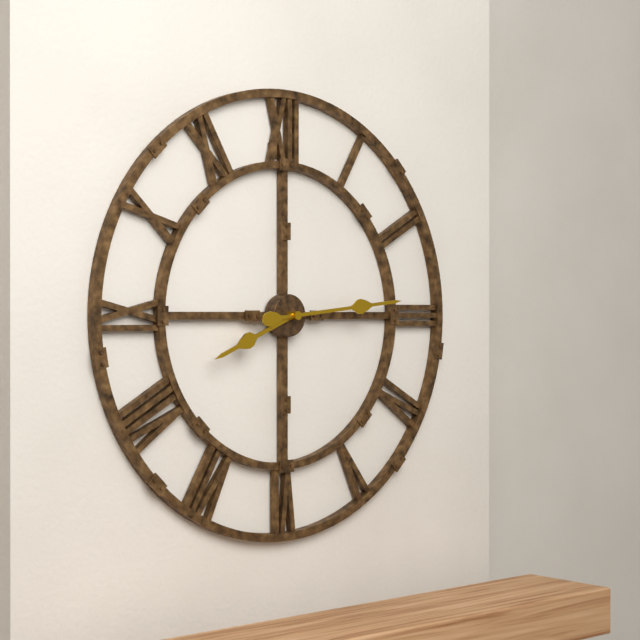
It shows 8:14
